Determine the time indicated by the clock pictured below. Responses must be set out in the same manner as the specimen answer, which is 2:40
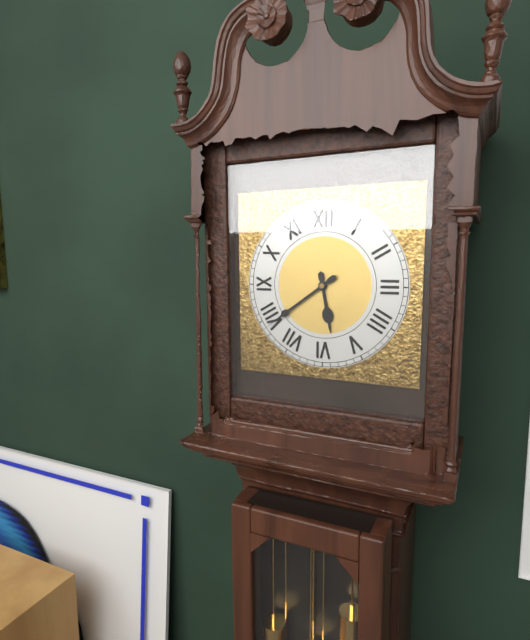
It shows 5:39
